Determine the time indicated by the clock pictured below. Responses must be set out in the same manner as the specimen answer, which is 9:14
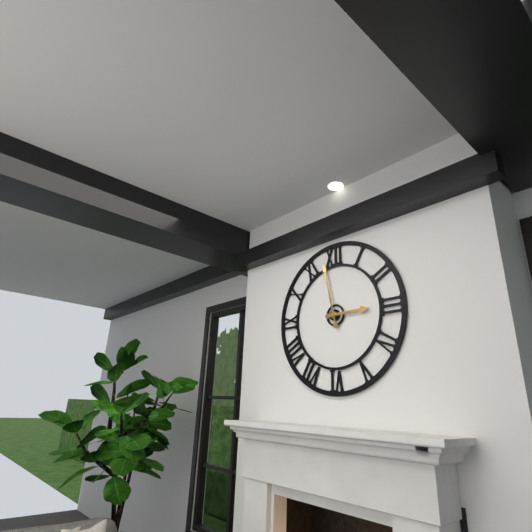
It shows 2:58
